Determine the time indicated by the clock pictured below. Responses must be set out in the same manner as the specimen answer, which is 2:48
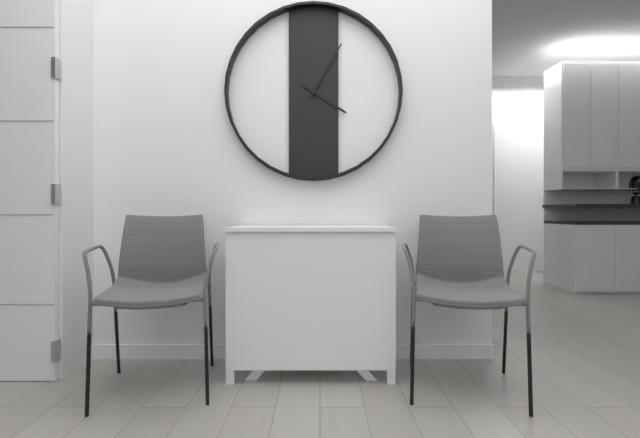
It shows 4:05
